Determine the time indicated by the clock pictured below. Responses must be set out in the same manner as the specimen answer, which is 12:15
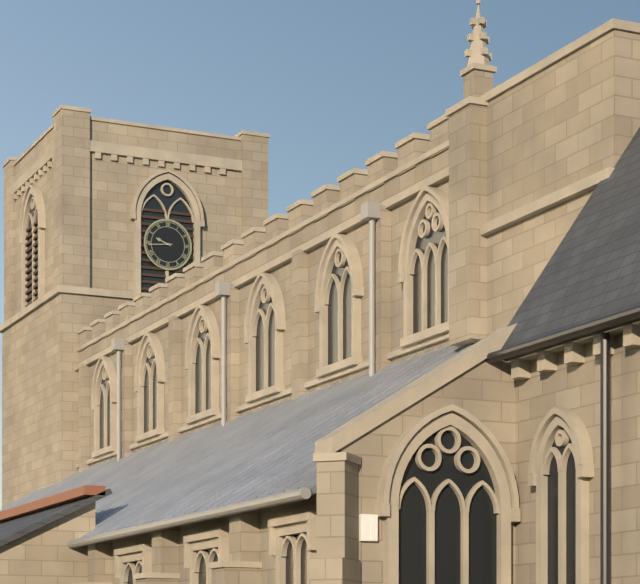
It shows 9:44
